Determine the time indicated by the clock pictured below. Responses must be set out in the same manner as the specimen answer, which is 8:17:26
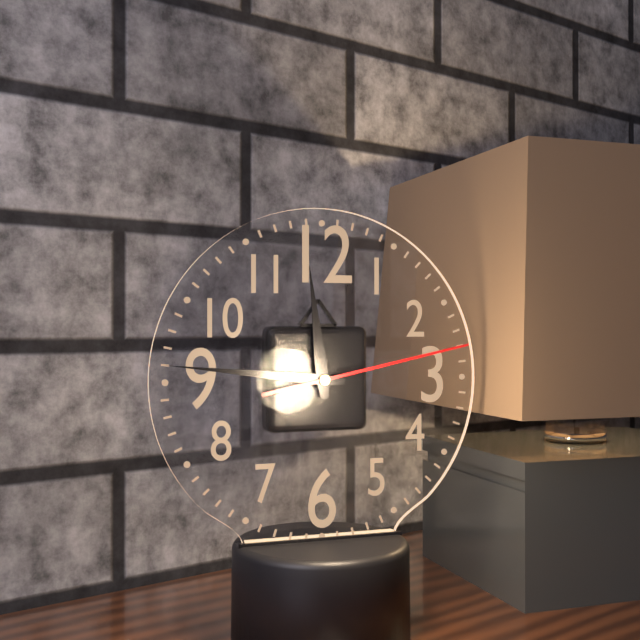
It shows 11:46:13
